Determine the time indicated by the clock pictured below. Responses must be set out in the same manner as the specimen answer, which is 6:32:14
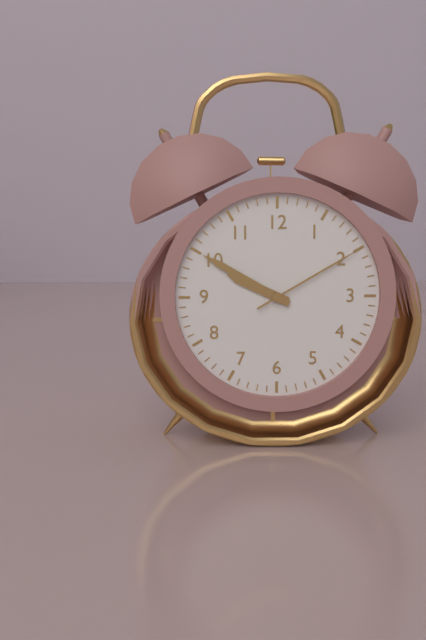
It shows 9:50:10
